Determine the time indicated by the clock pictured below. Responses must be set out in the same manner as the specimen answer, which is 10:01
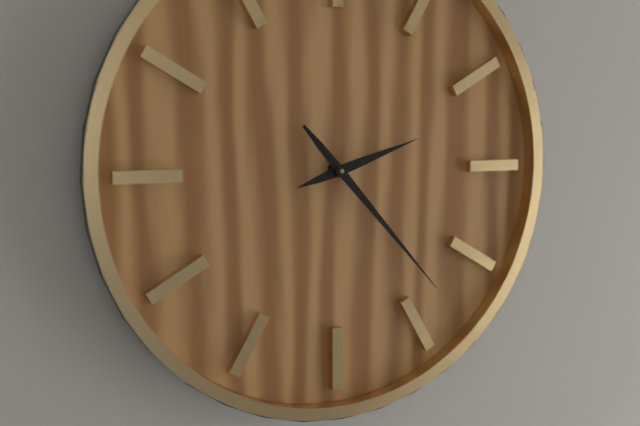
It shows 2:23
